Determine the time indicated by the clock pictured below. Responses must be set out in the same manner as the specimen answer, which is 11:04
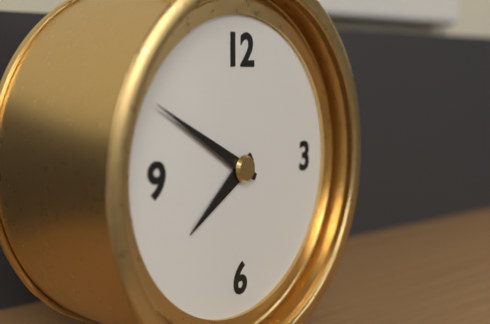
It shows 7:50
